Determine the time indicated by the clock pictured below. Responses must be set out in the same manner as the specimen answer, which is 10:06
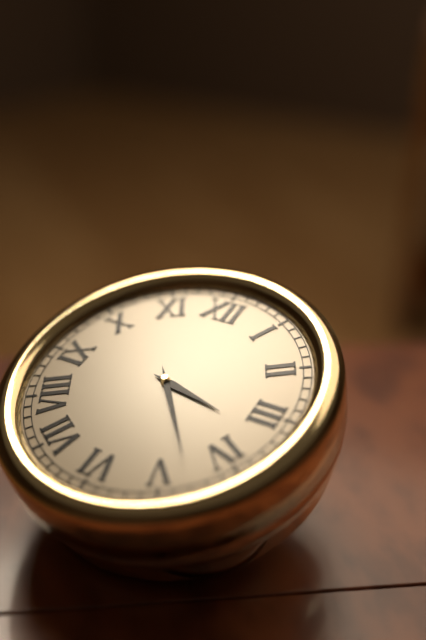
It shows 3:23
